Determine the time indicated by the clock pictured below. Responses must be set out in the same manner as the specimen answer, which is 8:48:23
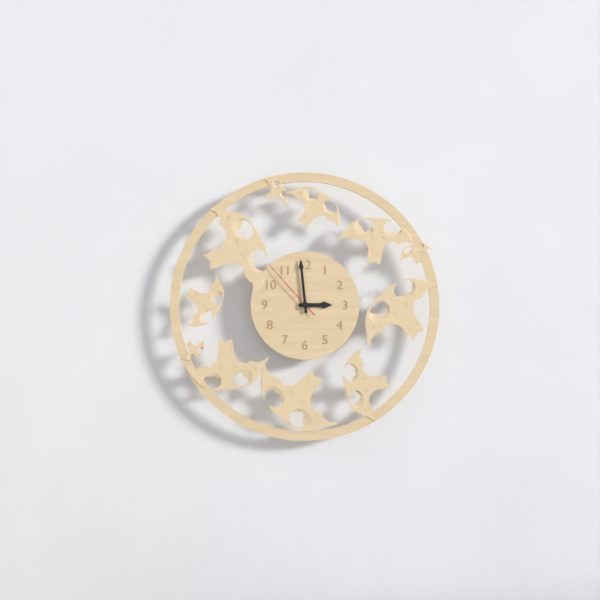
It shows 2:59:53
